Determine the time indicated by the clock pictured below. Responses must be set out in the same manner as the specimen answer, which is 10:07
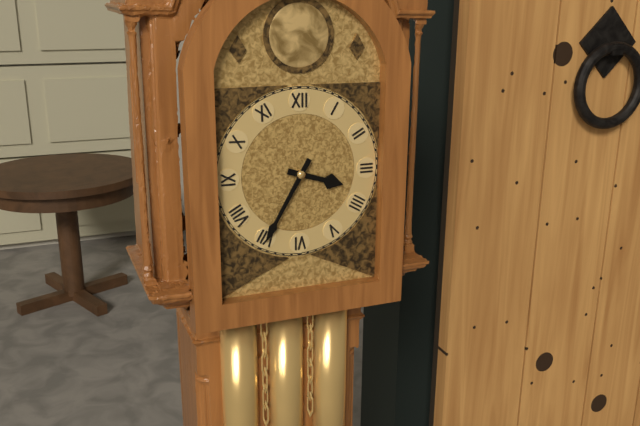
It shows 3:35
